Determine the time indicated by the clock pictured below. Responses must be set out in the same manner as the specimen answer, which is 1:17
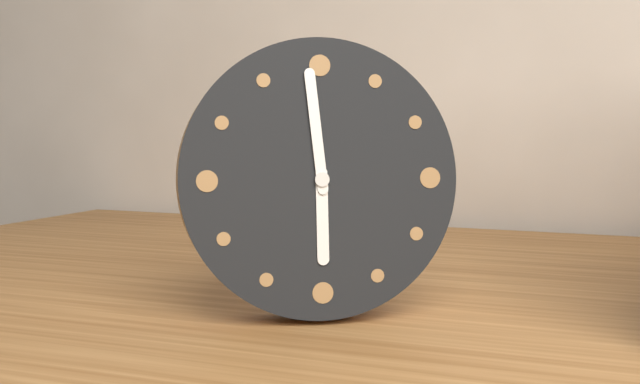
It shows 5:59
